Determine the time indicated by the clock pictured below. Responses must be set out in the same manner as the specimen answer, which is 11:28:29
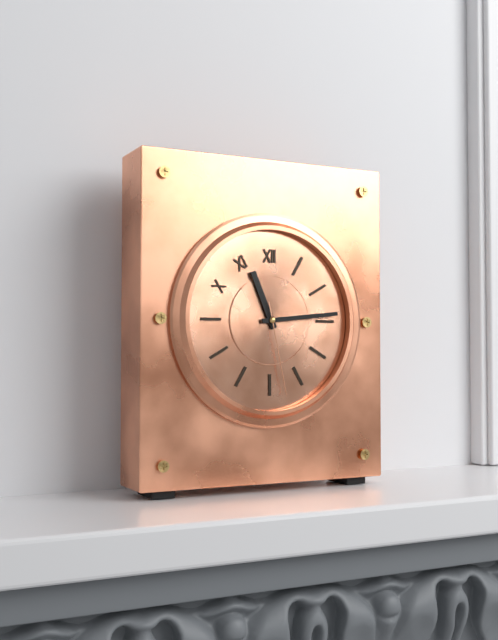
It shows 11:14:28
